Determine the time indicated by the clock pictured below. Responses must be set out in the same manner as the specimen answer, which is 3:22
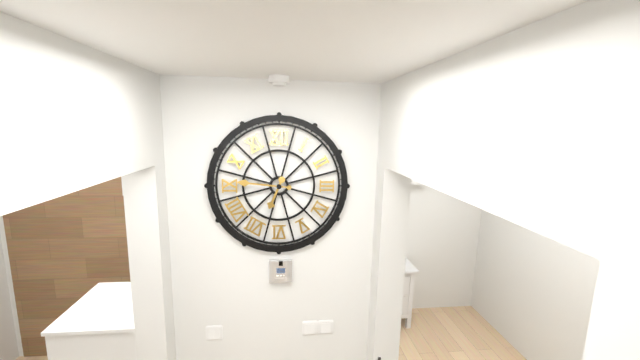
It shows 6:46
